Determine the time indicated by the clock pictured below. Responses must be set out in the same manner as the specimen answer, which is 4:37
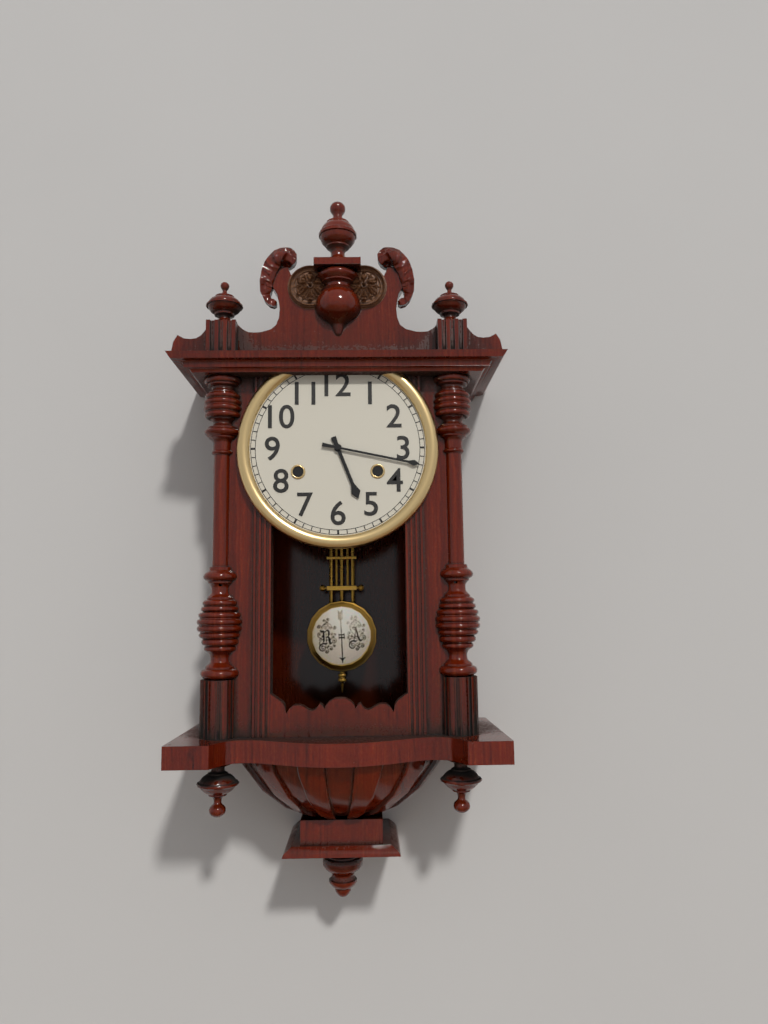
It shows 5:17
